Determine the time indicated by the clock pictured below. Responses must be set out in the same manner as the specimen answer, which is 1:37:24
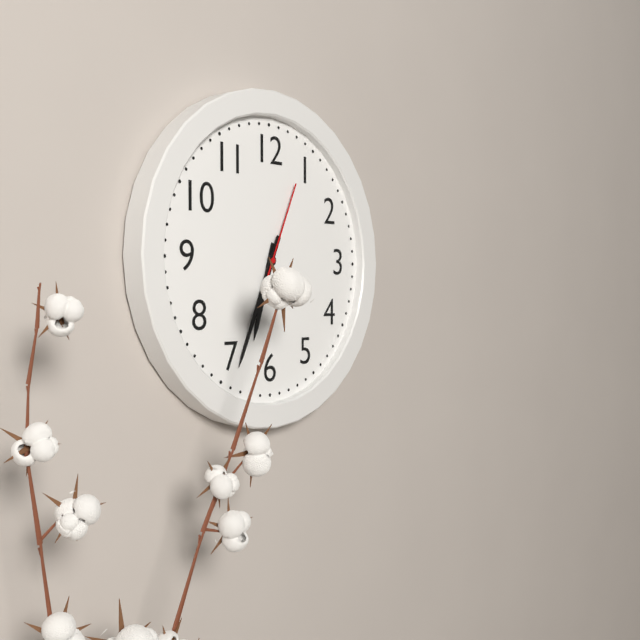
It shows 6:34:04
